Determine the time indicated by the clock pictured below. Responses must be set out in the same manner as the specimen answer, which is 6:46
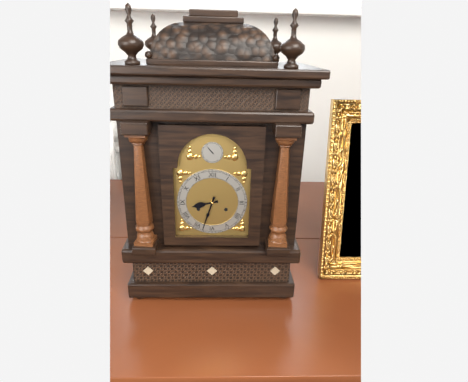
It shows 8:33
